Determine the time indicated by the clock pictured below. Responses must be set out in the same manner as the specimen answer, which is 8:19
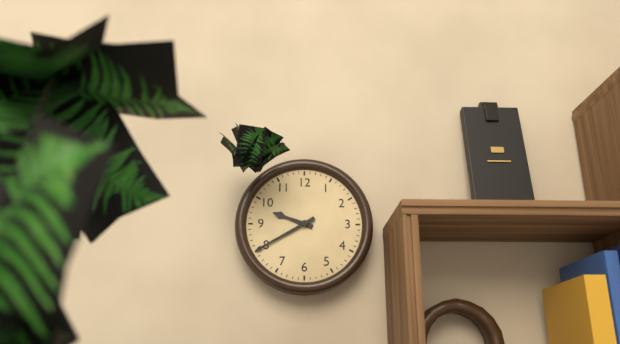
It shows 9:40
